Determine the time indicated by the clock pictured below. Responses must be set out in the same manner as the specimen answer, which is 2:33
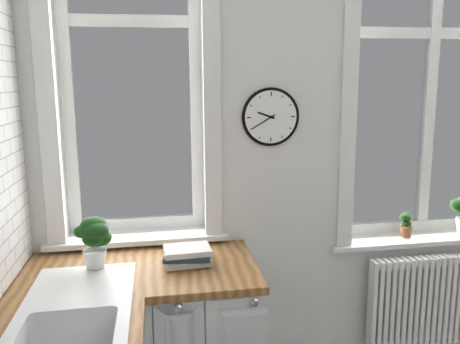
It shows 9:40
